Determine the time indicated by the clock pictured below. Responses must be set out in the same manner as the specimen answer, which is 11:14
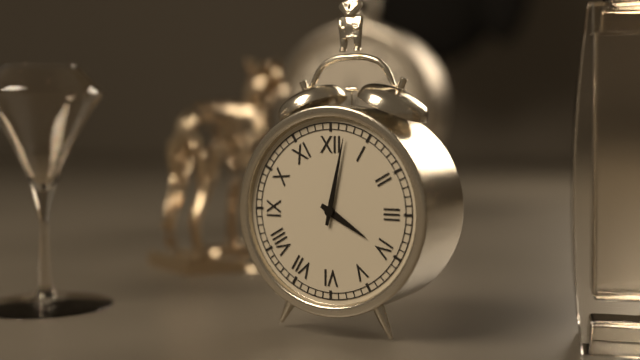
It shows 4:02
